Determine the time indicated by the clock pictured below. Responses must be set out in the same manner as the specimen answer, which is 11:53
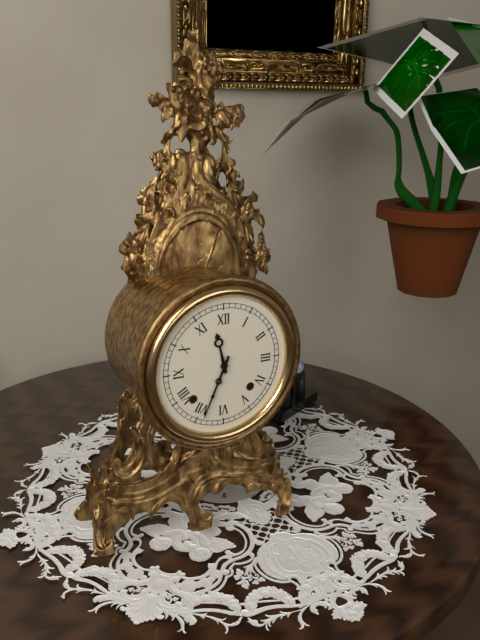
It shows 11:34
